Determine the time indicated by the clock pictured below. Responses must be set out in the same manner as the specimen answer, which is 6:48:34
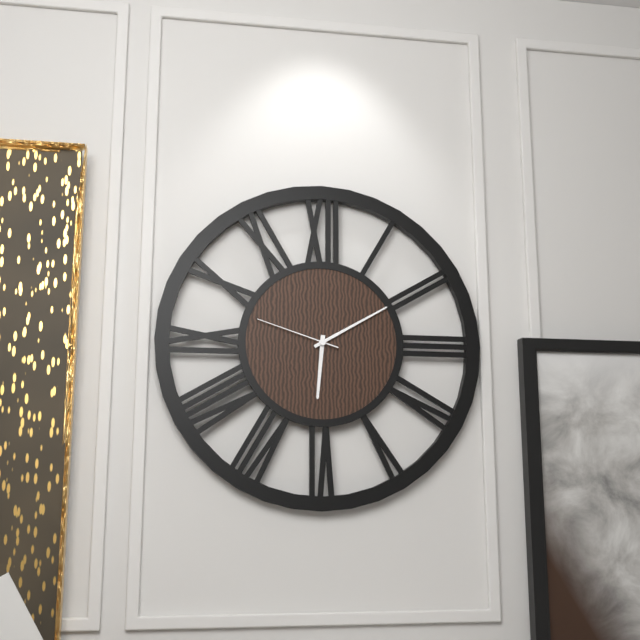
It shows 6:10:48
